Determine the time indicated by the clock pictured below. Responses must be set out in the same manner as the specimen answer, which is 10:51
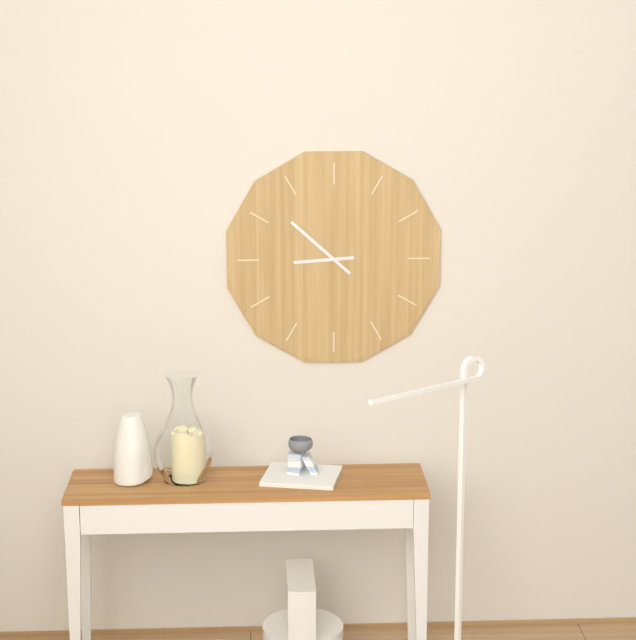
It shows 8:52
